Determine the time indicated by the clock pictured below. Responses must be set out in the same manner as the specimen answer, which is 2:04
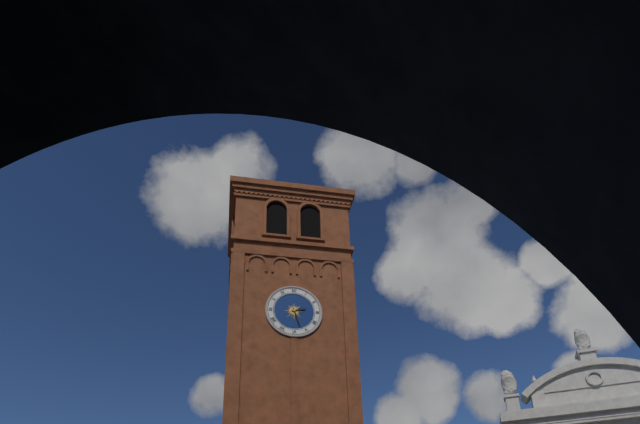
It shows 2:27
